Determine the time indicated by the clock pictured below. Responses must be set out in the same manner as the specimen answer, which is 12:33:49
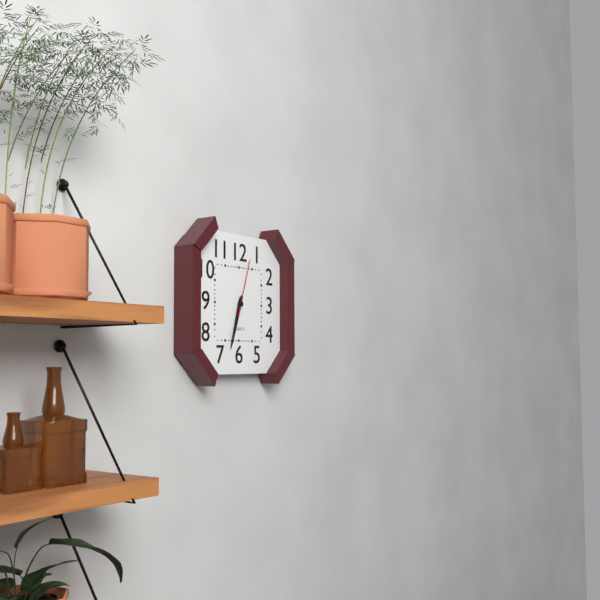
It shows 6:33:03
